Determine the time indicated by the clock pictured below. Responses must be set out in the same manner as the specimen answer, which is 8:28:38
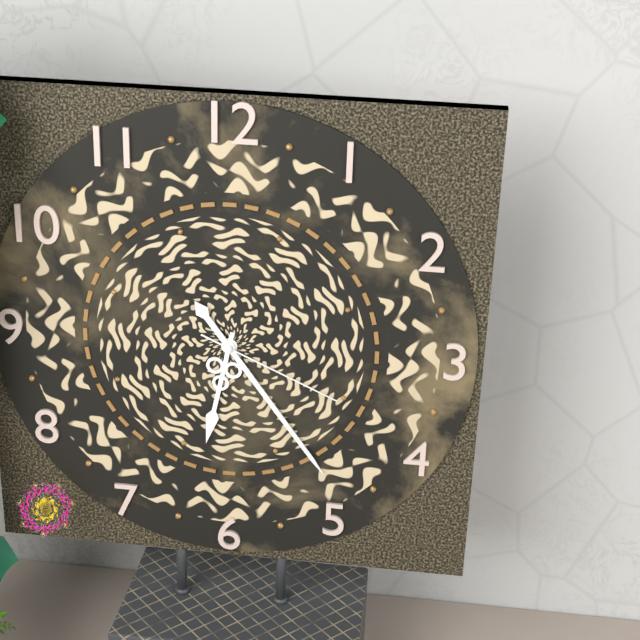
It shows 6:24:19
